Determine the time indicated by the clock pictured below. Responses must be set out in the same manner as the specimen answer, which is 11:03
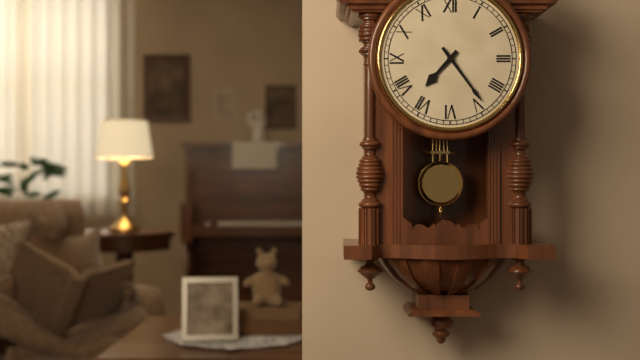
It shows 7:24
